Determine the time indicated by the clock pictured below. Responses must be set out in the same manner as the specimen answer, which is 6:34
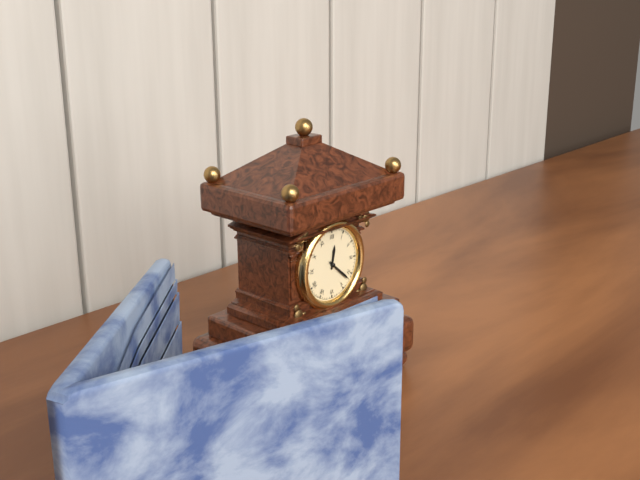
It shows 12:22
